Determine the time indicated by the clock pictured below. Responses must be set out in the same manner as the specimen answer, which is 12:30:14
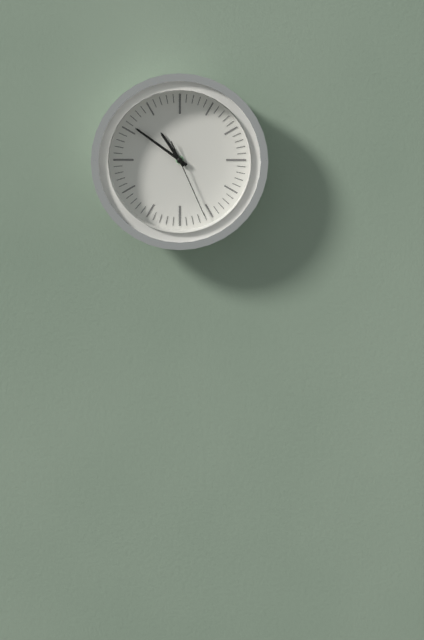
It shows 10:51:26
